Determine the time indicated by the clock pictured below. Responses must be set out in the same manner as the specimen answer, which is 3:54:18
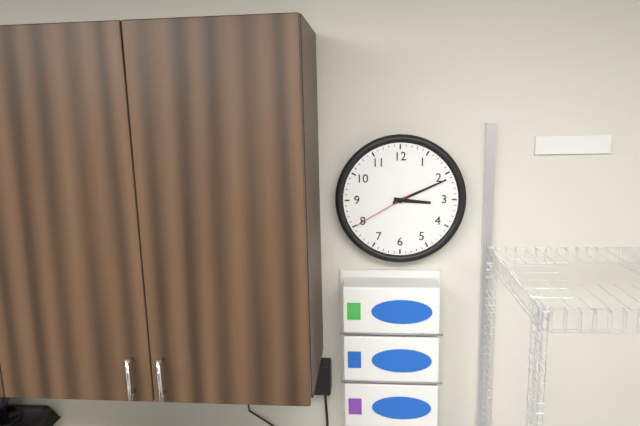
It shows 3:11:40
